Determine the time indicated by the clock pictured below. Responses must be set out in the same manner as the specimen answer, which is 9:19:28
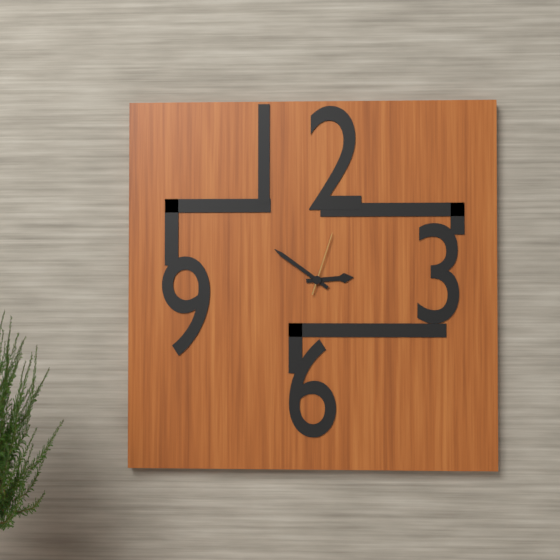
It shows 2:51:03
